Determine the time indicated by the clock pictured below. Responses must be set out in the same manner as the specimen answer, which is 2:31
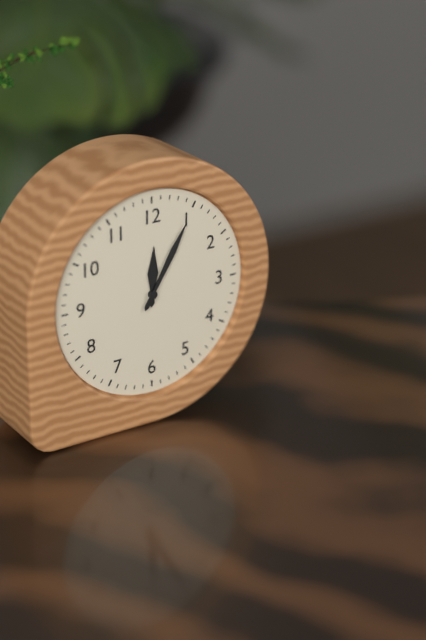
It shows 12:05
